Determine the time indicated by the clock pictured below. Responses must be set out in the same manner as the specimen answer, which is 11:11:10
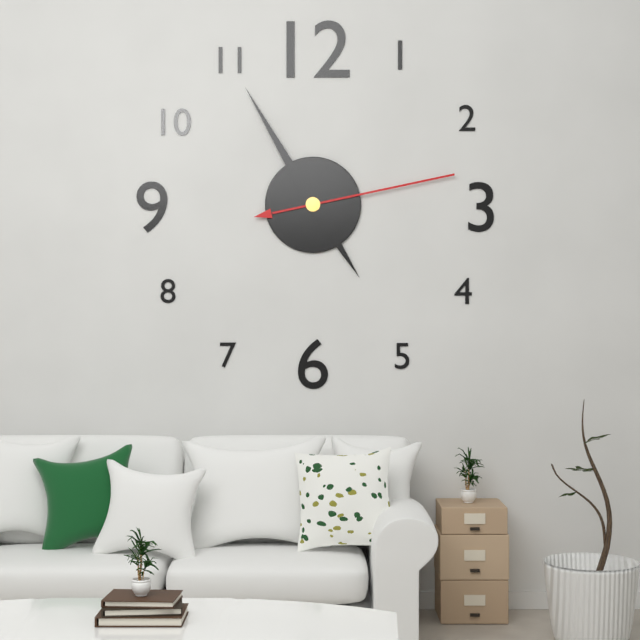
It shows 4:55:13
